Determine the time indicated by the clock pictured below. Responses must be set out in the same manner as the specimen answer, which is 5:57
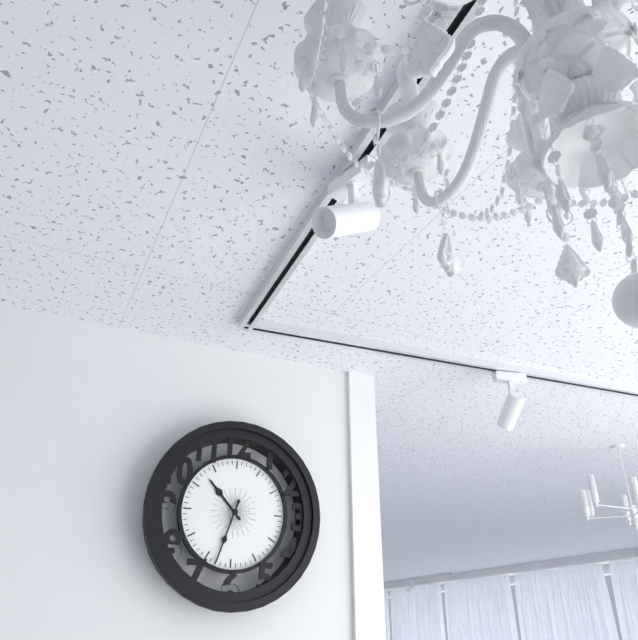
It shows 10:33
